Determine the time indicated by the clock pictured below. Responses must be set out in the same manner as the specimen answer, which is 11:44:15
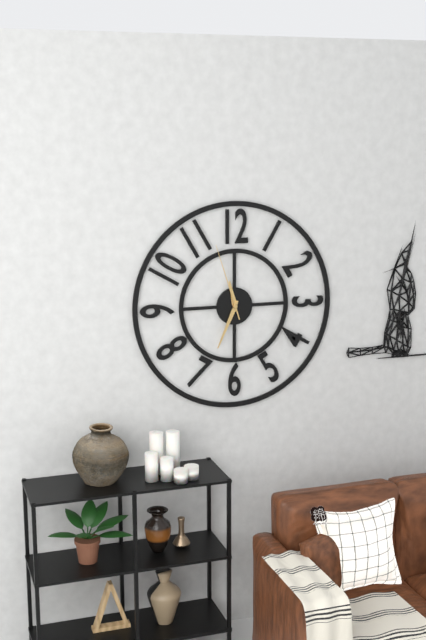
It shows 11:34:57
